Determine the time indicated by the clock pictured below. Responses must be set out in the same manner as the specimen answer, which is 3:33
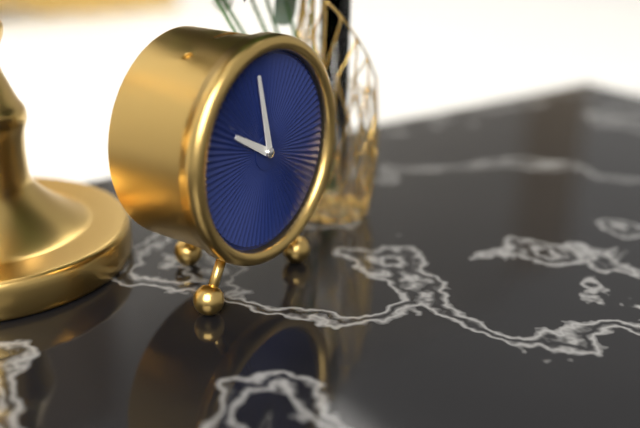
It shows 9:58
